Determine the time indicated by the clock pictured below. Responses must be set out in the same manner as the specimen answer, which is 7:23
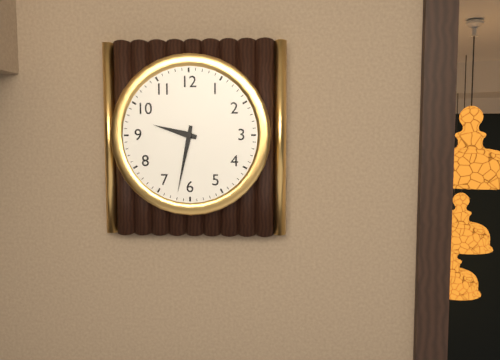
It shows 9:32
